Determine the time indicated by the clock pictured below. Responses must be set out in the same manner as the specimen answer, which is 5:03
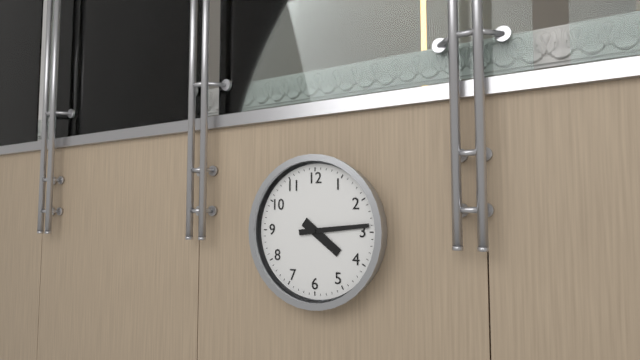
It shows 4:14
